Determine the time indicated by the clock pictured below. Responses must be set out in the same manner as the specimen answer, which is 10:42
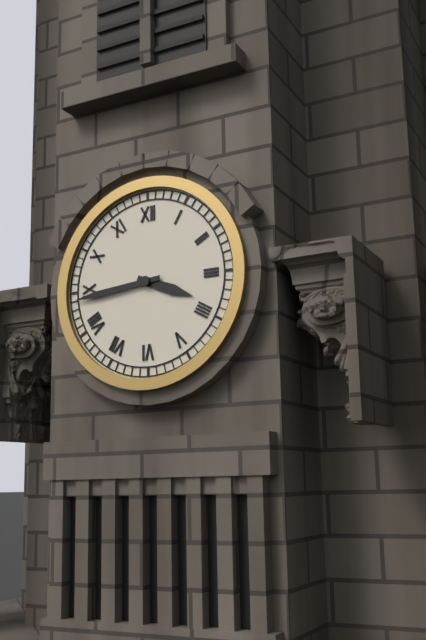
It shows 3:44
